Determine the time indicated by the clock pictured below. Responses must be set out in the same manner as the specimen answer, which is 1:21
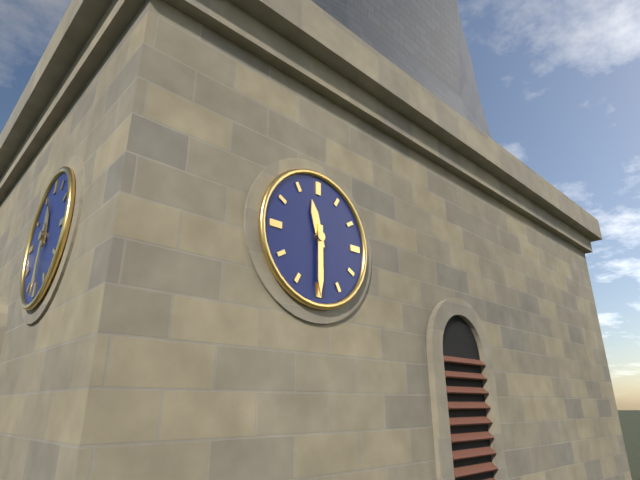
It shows 11:30
